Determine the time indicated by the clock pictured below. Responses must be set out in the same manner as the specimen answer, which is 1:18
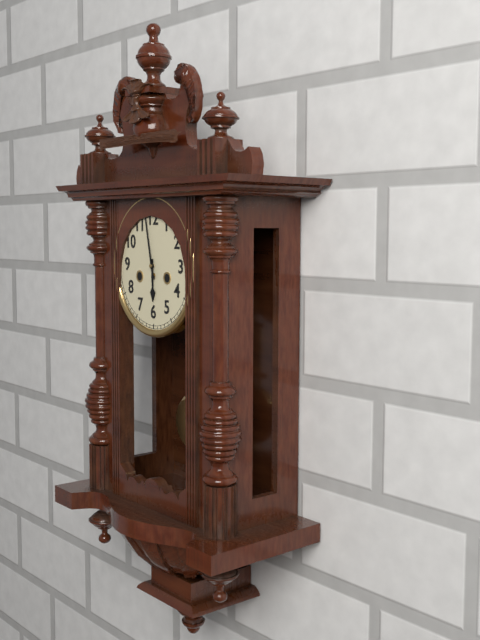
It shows 5:58
